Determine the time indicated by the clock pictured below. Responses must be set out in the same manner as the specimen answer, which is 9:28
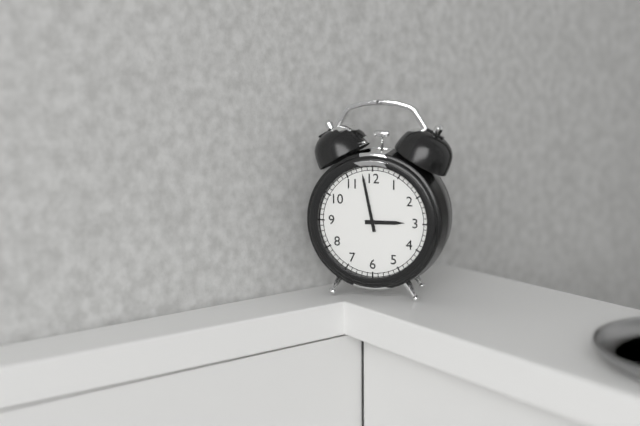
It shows 2:58
